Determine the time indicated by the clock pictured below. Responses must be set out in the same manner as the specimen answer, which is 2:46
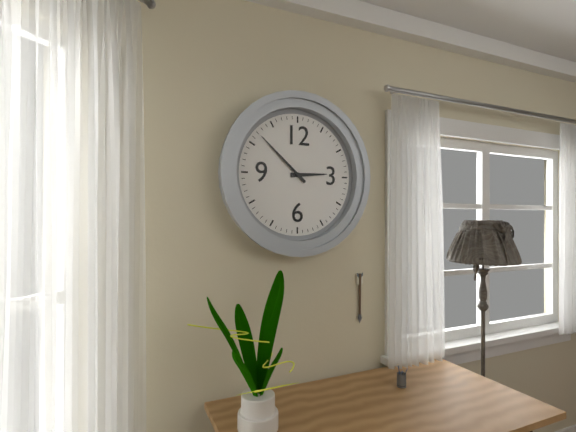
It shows 2:52
